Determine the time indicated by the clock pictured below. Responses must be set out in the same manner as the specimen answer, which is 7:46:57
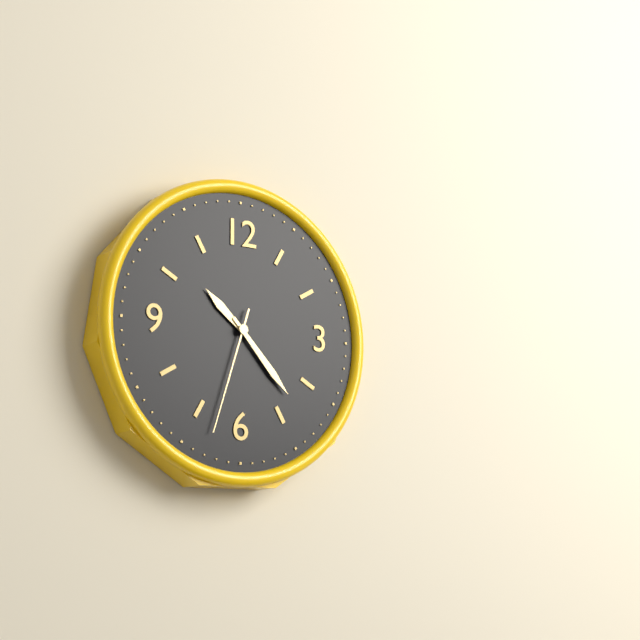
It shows 10:23:33
